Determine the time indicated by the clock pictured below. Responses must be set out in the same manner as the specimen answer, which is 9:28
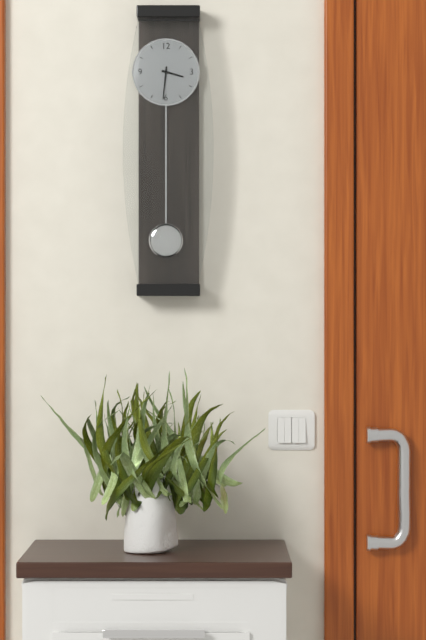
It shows 3:31
